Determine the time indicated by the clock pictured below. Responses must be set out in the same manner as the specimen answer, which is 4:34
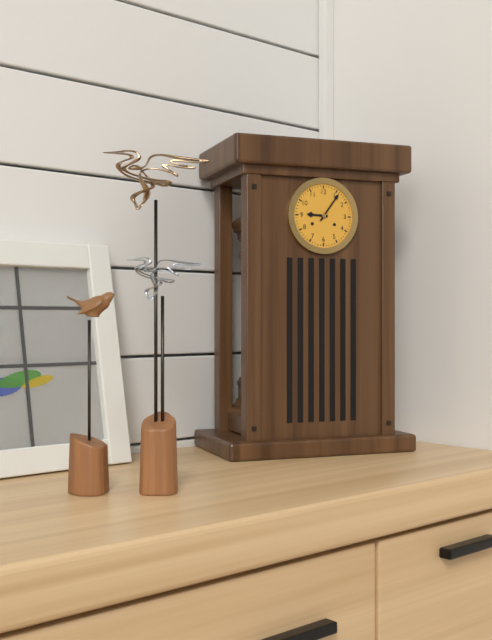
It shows 9:06
